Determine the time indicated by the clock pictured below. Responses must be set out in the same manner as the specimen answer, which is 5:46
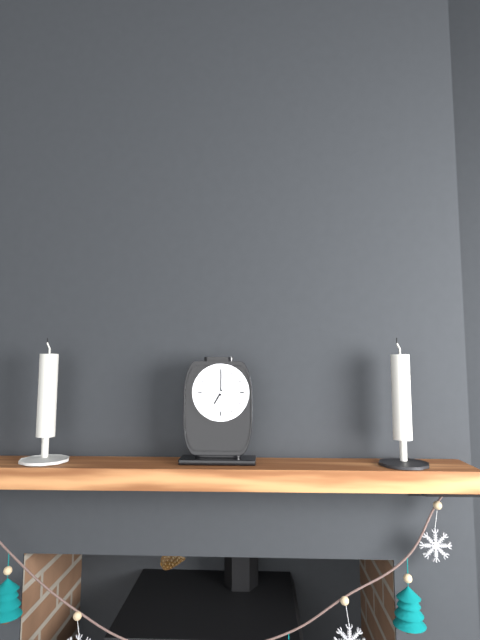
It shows 7:00
